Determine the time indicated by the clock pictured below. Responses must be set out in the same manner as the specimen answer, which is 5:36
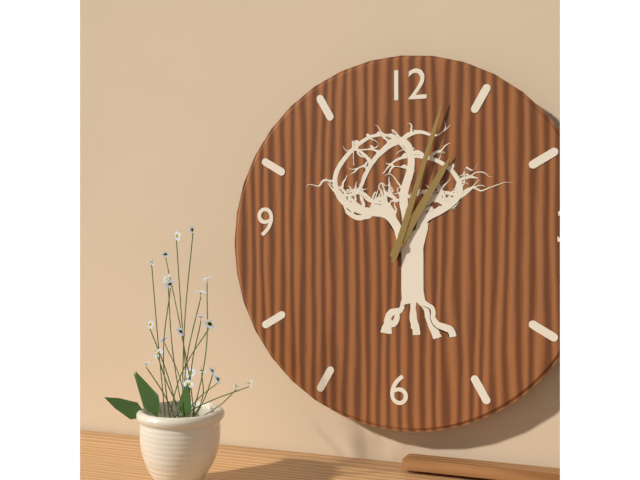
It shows 1:03
